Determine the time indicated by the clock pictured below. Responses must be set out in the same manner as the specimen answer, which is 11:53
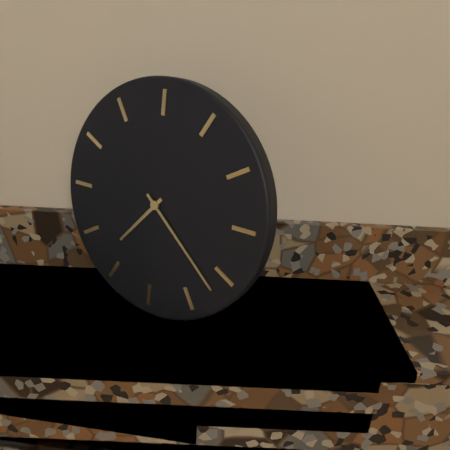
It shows 7:22
